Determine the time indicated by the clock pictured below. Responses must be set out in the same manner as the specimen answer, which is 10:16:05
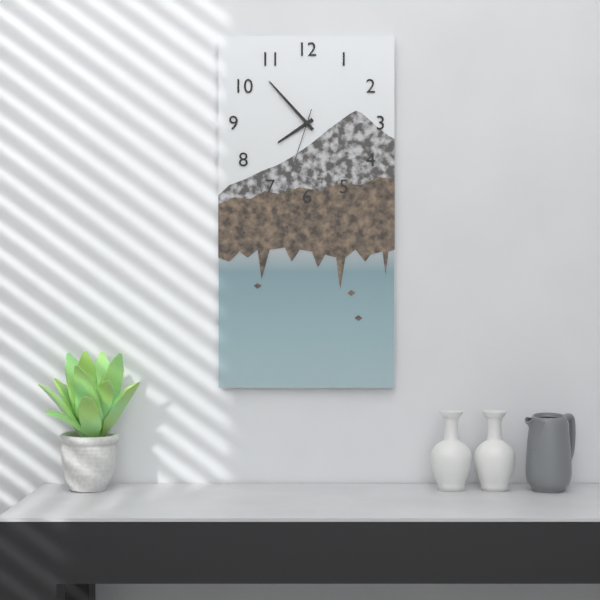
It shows 7:53:33
